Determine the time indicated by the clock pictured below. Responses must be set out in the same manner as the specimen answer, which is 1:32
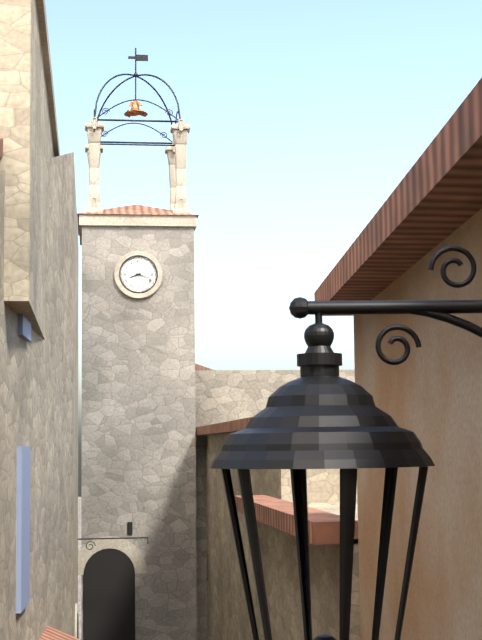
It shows 8:18
